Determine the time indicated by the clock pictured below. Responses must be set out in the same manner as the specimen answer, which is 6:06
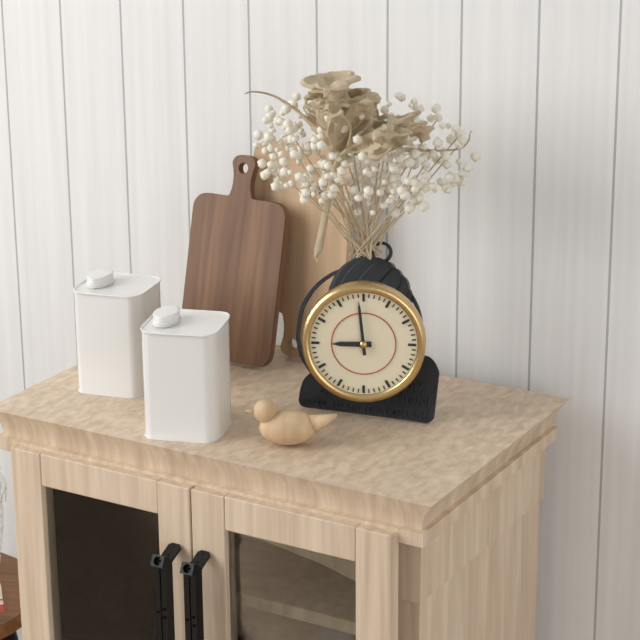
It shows 8:59
